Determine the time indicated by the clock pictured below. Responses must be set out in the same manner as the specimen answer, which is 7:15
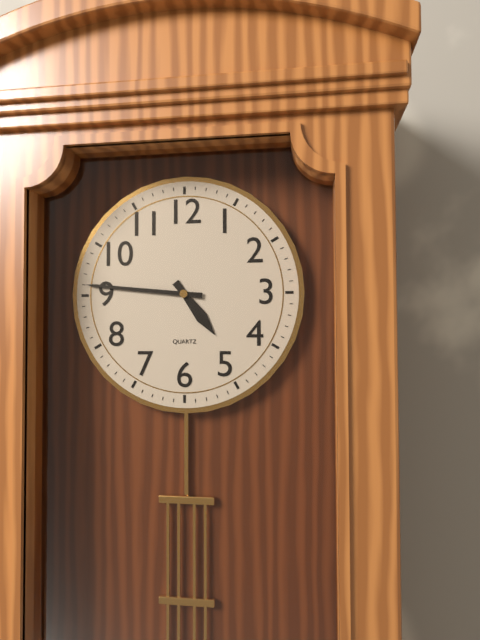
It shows 4:46
